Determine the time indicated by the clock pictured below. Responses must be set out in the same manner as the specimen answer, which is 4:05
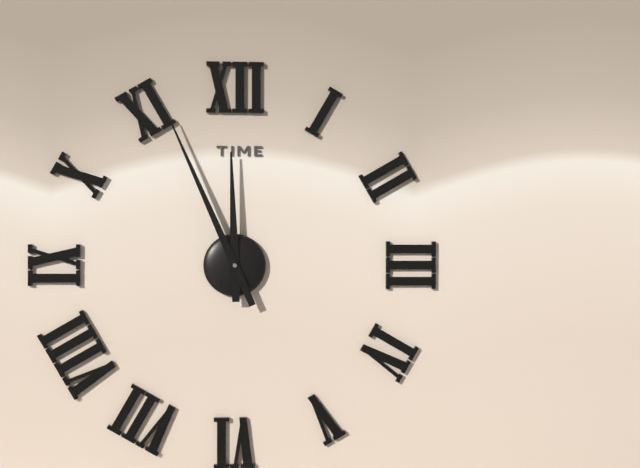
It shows 11:56
